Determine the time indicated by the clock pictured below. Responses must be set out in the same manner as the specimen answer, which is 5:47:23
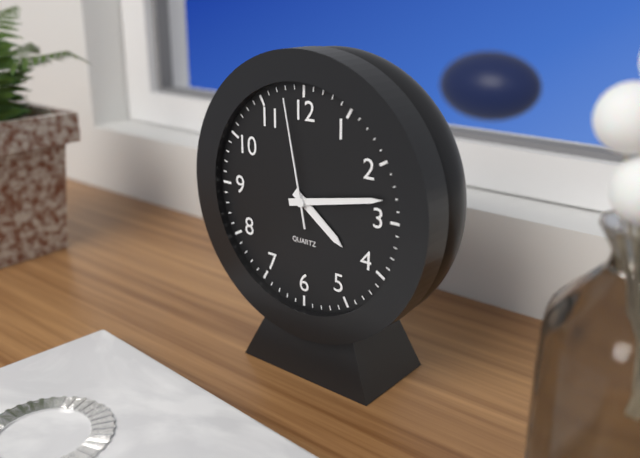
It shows 4:13:58
